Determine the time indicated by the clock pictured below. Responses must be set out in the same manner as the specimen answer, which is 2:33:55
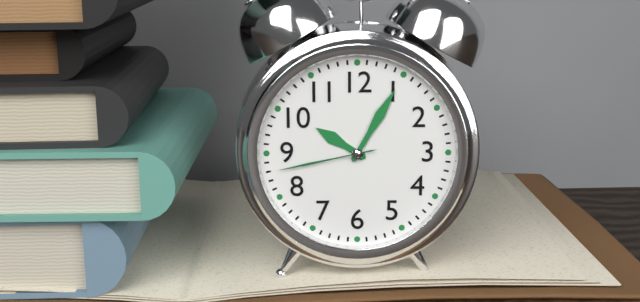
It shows 10:05:43
